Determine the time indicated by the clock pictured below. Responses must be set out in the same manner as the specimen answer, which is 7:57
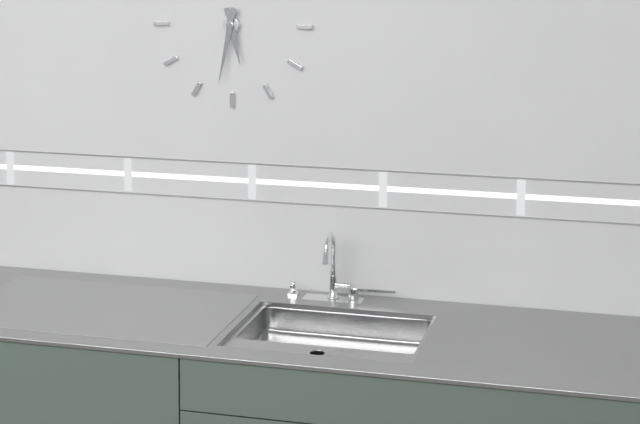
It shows 5:32
